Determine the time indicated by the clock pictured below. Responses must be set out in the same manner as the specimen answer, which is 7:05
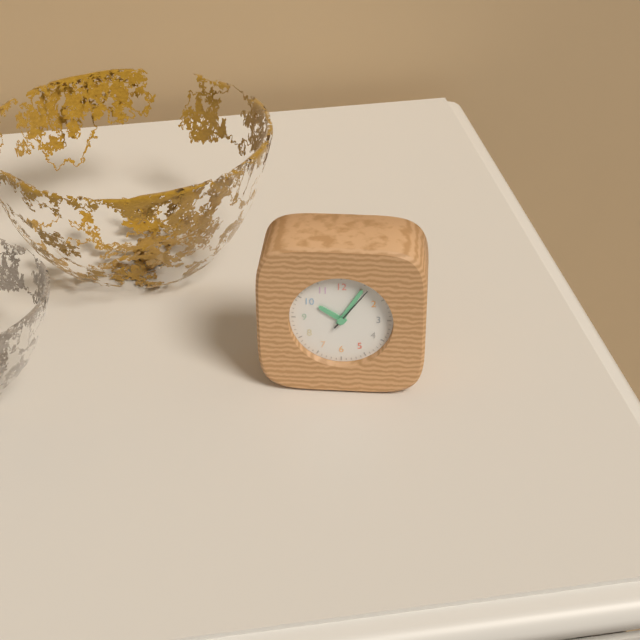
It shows 10:05
